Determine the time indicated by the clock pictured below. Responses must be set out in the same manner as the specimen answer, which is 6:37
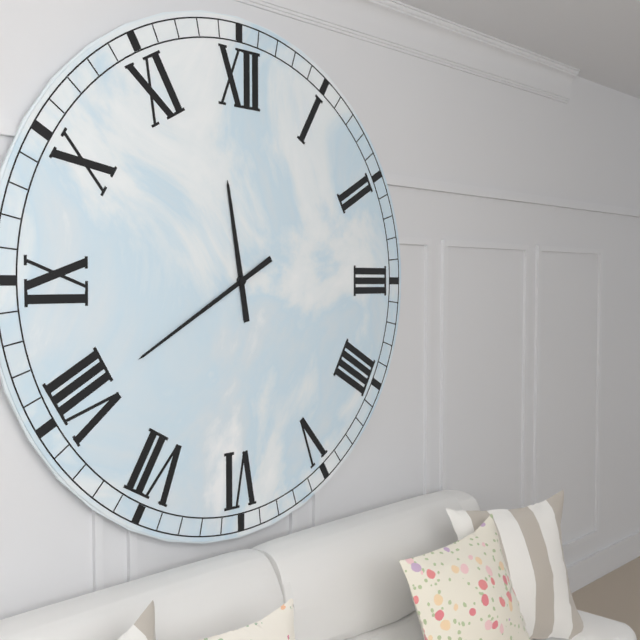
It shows 11:40
